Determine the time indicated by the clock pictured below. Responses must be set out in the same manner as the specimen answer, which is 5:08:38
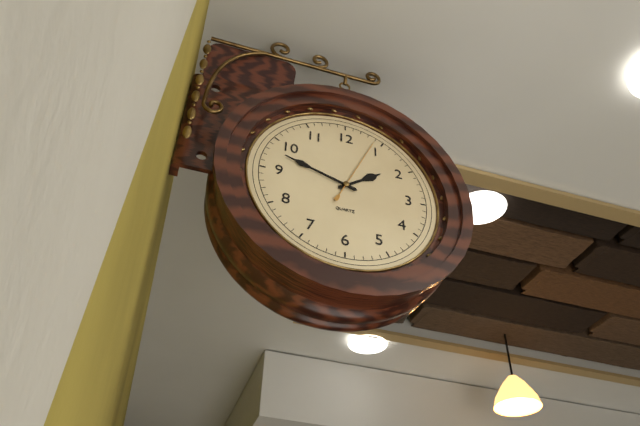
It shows 1:48:04
